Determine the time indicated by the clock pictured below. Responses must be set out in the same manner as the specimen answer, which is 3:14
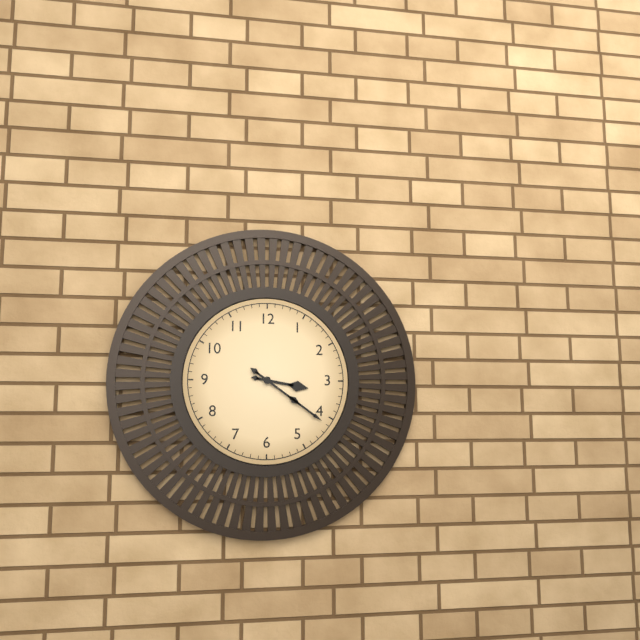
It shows 3:21
